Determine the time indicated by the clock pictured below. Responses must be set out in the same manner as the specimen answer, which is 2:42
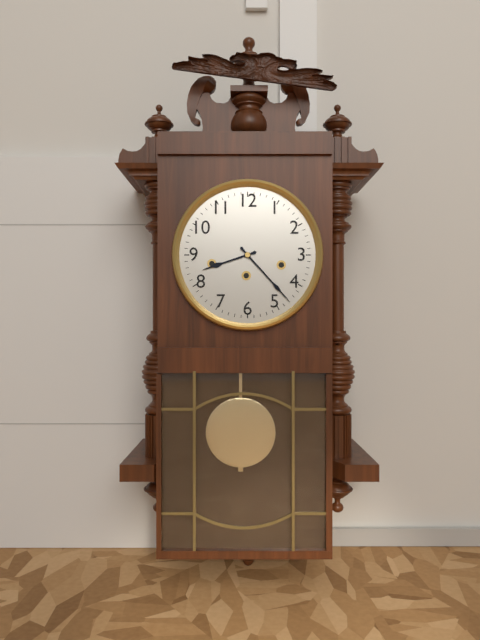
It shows 8:23
